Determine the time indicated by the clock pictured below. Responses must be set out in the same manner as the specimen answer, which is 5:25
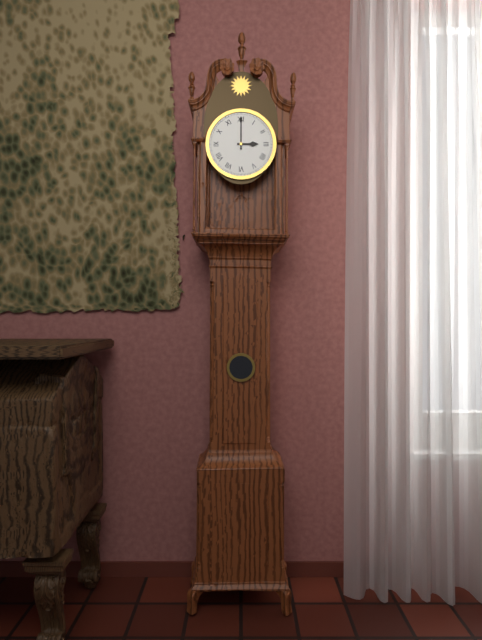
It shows 3:00
